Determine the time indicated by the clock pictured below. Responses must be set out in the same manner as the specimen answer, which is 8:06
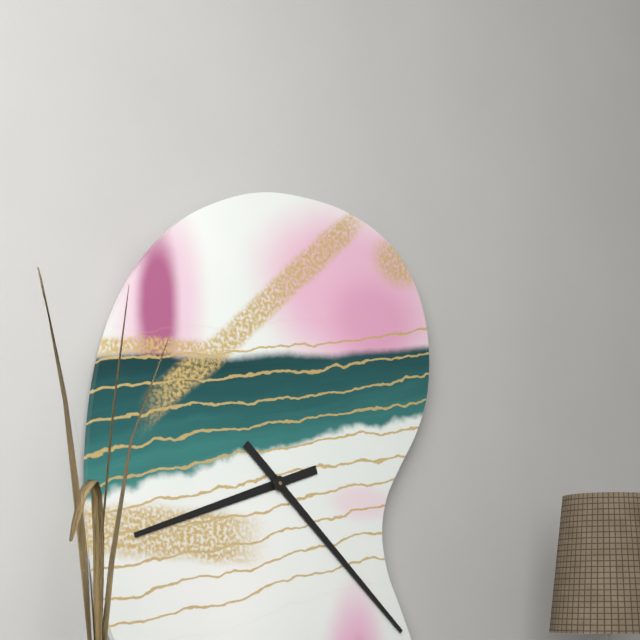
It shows 8:22
